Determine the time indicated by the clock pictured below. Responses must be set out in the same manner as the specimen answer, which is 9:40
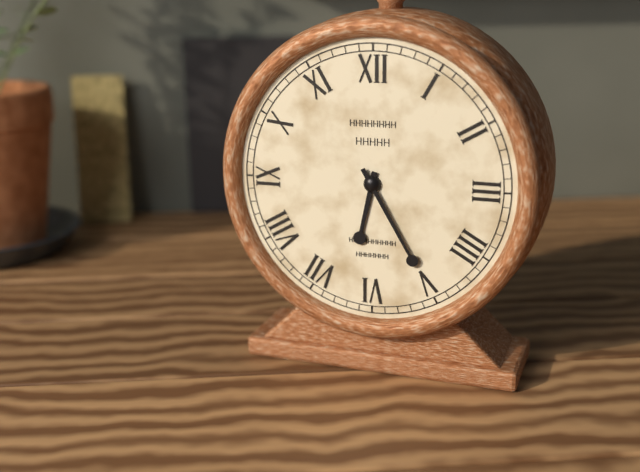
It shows 6:25
